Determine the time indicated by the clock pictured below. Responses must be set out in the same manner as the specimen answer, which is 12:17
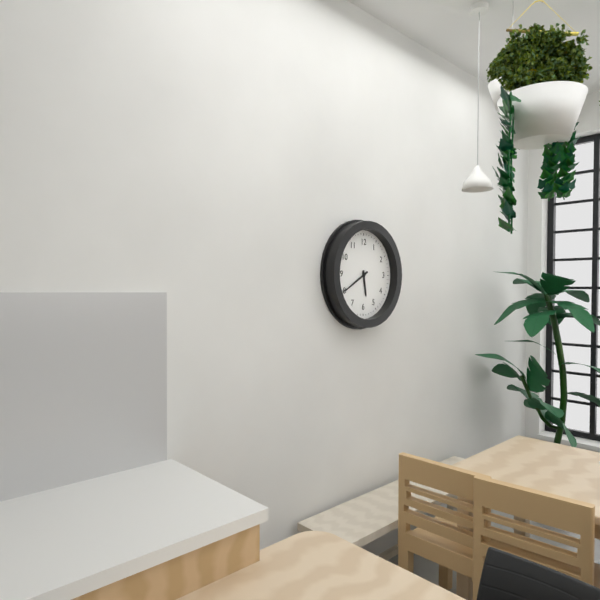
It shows 5:40
